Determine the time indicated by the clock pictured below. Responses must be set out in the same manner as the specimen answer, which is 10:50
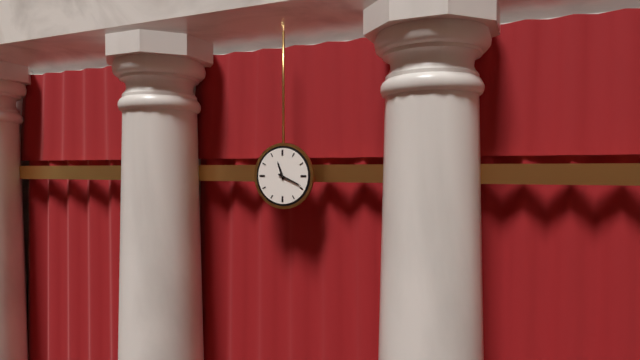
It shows 11:19
